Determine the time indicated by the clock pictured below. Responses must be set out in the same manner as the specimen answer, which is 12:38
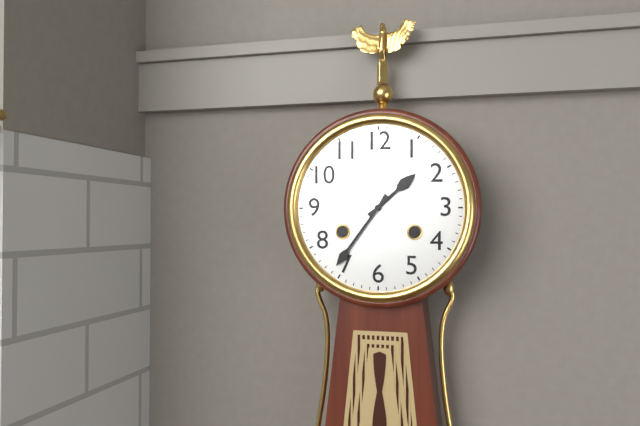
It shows 1:36
